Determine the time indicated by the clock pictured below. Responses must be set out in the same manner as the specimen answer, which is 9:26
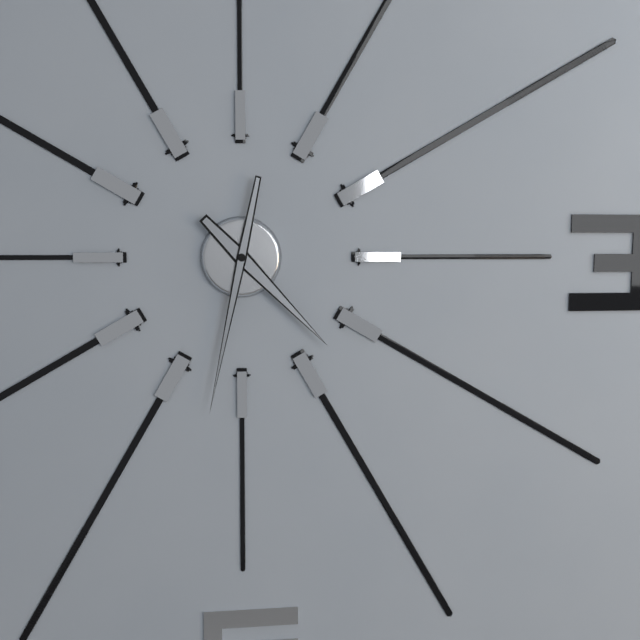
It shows 4:32
